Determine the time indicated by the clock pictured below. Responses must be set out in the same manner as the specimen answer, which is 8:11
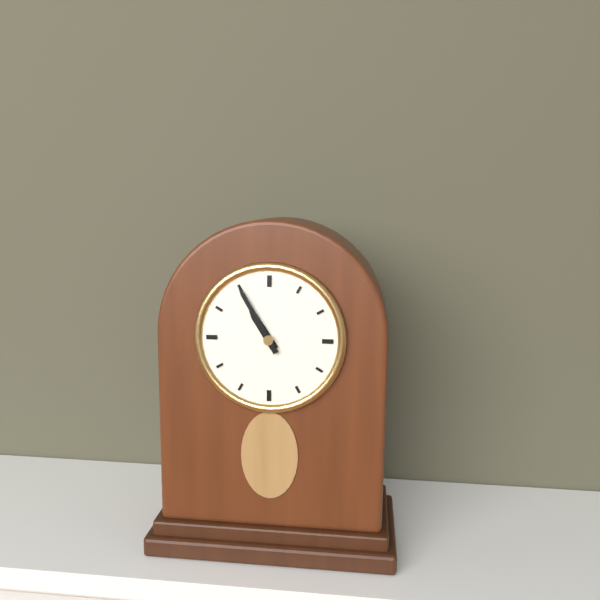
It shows 10:55
